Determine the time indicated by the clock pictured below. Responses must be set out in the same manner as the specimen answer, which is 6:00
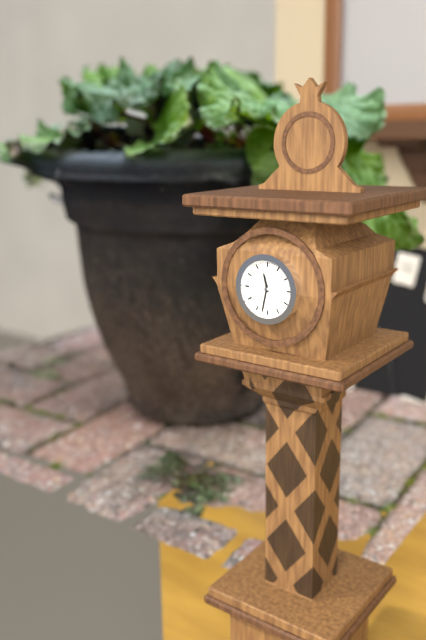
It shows 11:32
